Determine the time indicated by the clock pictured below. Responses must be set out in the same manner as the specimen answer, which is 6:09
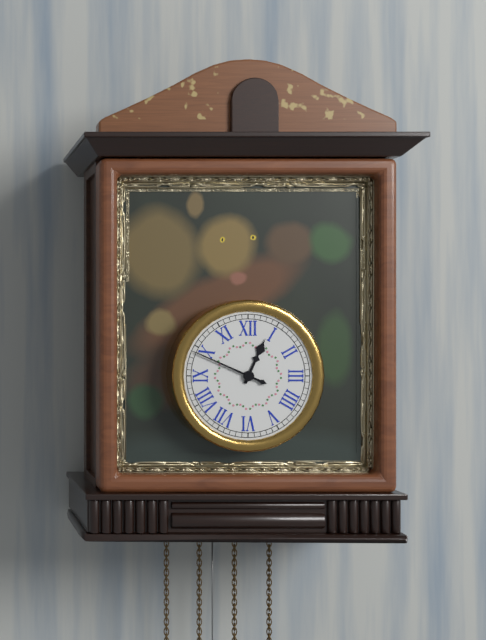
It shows 12:49
